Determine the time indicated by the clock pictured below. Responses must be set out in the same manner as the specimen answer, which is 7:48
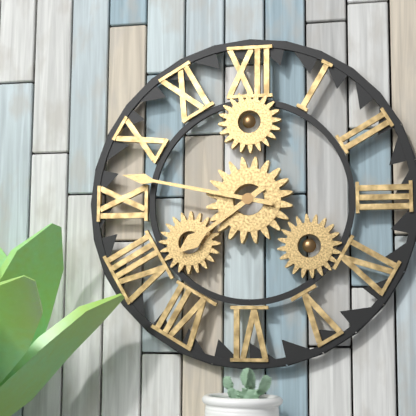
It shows 7:47
